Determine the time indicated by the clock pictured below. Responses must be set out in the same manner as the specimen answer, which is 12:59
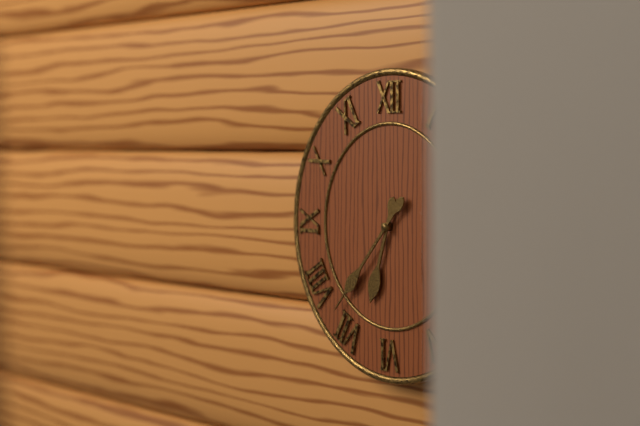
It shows 6:37
